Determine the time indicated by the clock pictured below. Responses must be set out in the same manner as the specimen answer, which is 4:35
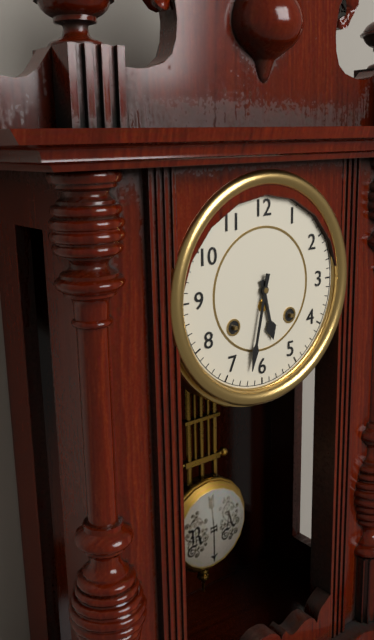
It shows 5:32
